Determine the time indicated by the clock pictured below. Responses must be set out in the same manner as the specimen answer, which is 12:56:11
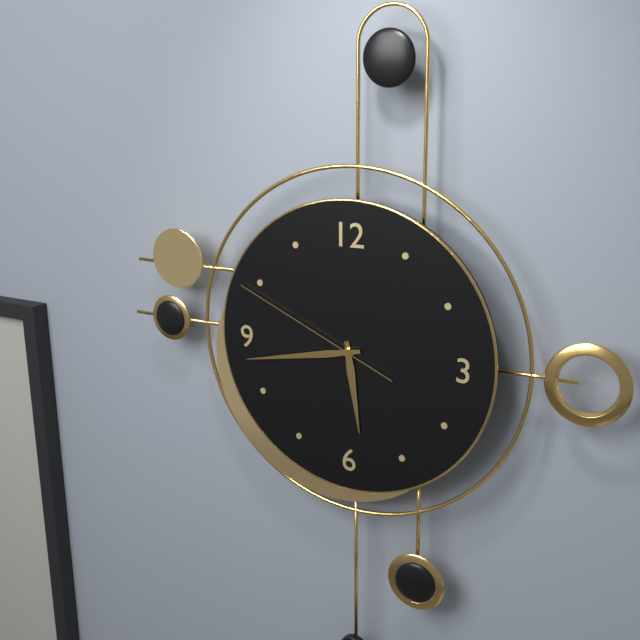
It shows 5:43:49
